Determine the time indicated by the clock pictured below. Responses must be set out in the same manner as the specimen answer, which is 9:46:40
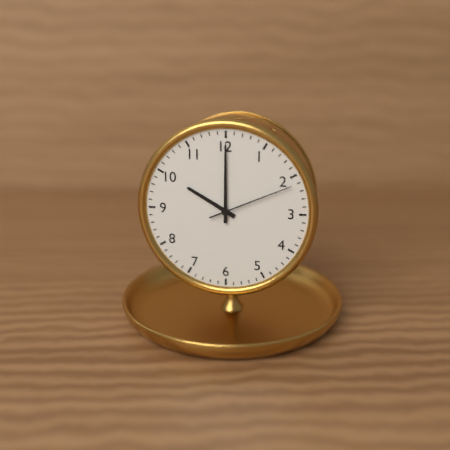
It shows 10:00:11
